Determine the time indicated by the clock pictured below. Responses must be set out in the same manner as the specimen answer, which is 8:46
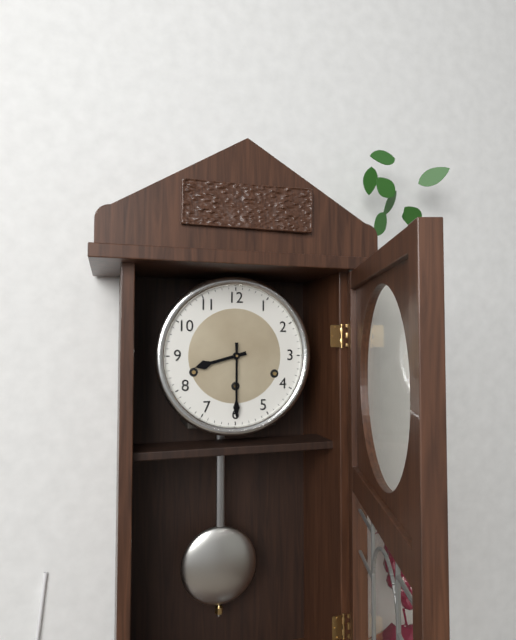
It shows 8:30
